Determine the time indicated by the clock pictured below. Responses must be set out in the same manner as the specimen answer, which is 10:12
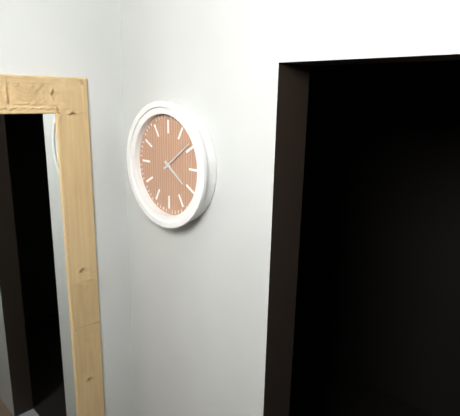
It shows 4:09
